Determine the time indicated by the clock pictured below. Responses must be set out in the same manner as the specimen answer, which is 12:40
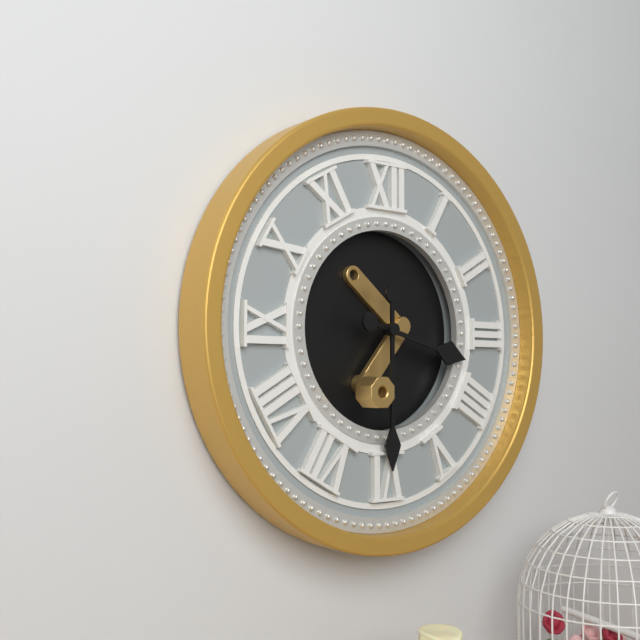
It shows 3:30
